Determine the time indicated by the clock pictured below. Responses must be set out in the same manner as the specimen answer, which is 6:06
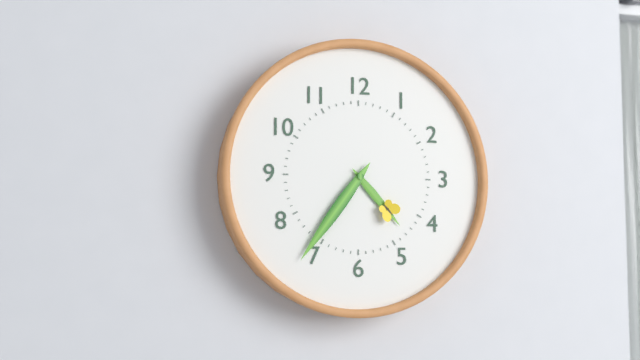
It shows 4:36
